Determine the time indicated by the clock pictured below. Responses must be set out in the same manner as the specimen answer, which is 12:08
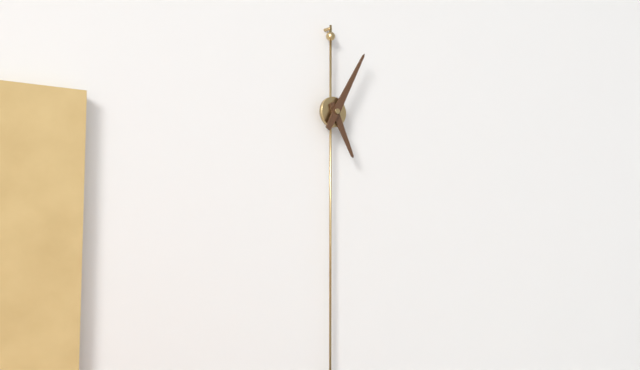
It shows 5:05
